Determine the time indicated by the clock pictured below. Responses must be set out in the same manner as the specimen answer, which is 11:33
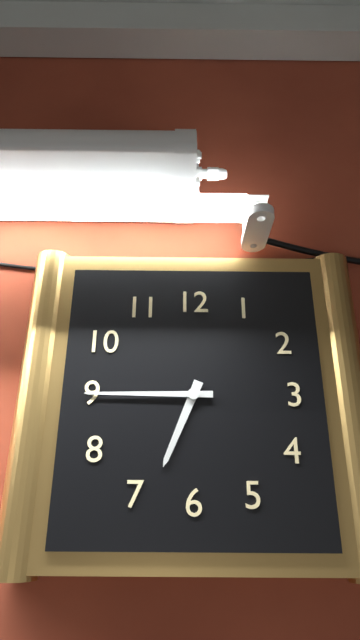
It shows 6:45
